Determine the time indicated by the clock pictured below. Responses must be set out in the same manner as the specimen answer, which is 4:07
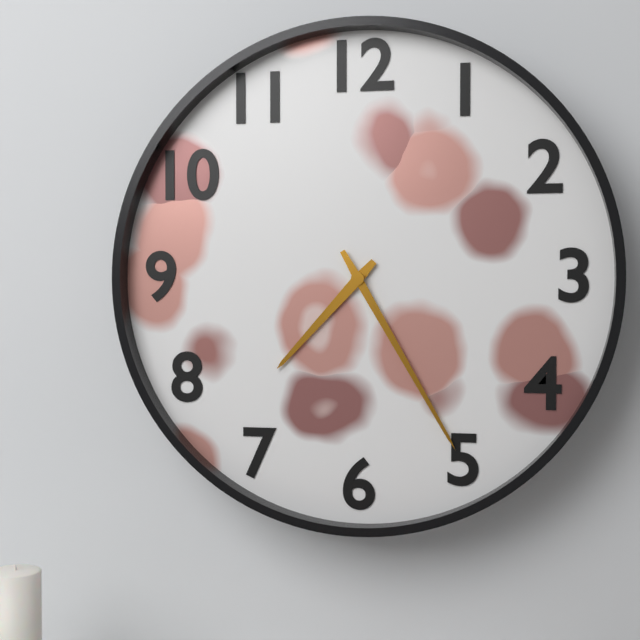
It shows 7:25
